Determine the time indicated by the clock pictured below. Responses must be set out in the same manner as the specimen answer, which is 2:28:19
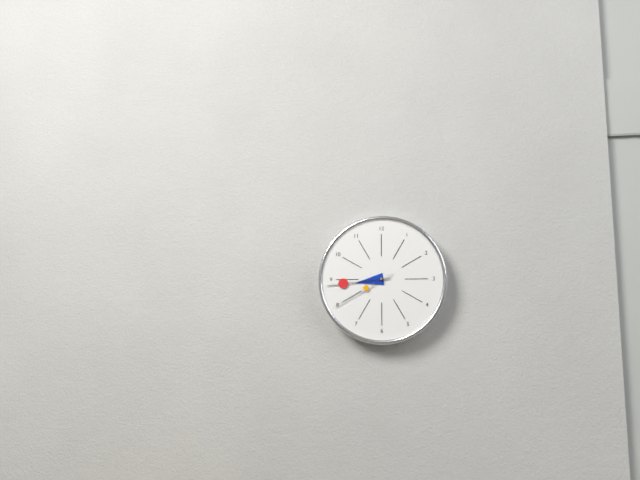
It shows 8:44:40
